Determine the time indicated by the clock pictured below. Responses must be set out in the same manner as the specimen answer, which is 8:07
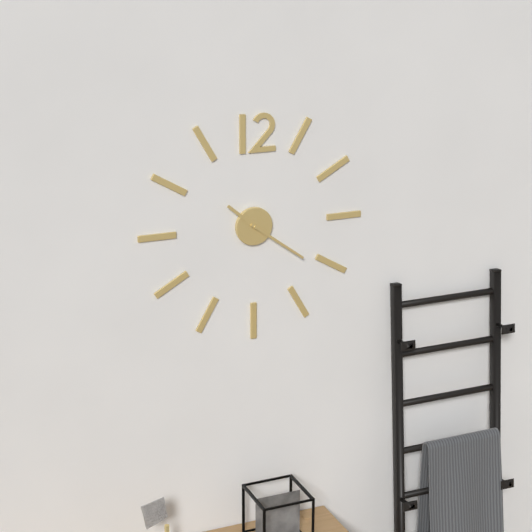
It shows 10:21
